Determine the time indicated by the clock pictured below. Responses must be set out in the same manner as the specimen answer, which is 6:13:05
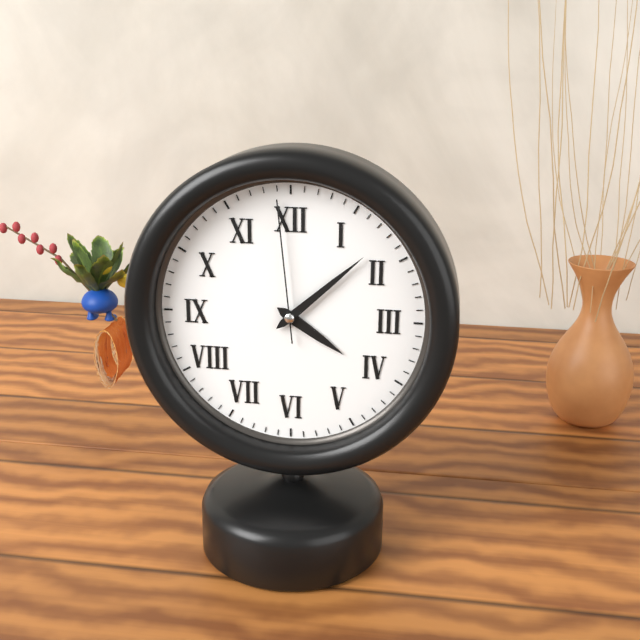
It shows 4:08:59
